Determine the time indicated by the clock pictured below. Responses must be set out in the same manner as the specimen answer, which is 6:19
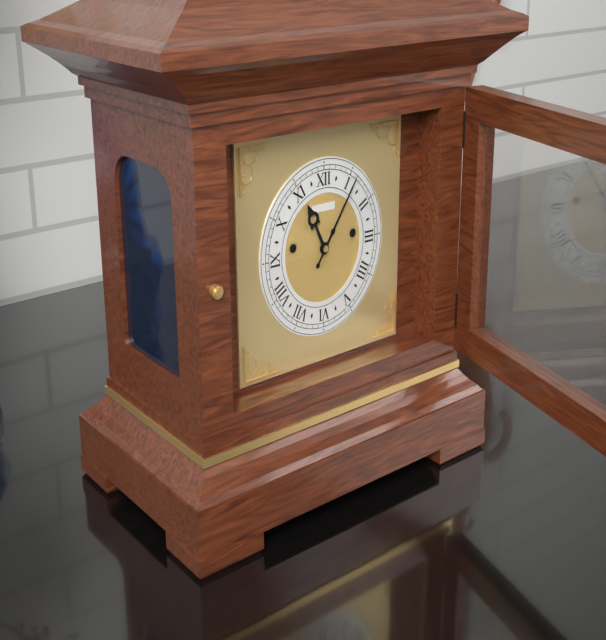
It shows 11:06
